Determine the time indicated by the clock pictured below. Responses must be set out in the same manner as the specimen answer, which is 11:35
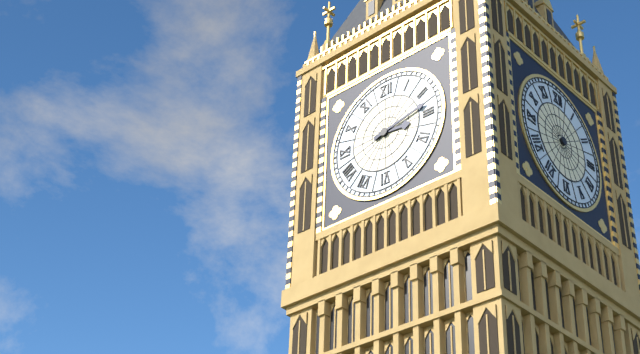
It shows 3:13
